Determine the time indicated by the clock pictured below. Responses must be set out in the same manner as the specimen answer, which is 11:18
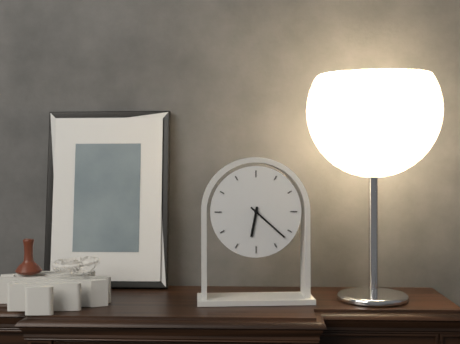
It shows 6:22
